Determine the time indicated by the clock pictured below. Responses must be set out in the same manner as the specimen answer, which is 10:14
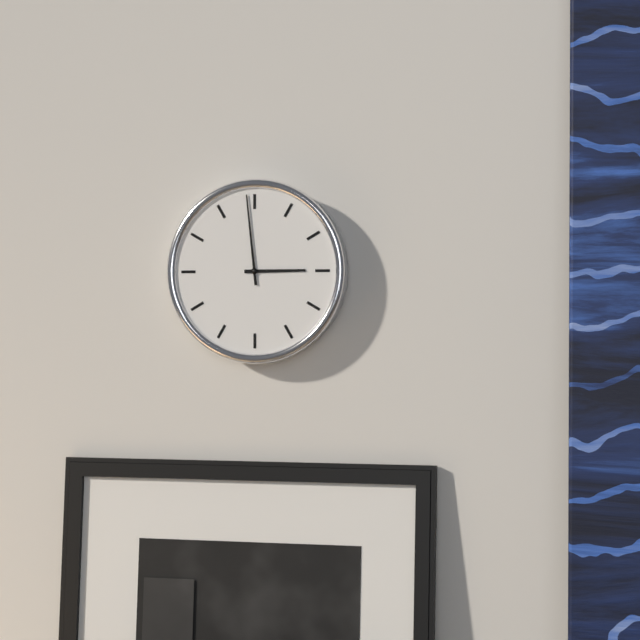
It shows 2:59
